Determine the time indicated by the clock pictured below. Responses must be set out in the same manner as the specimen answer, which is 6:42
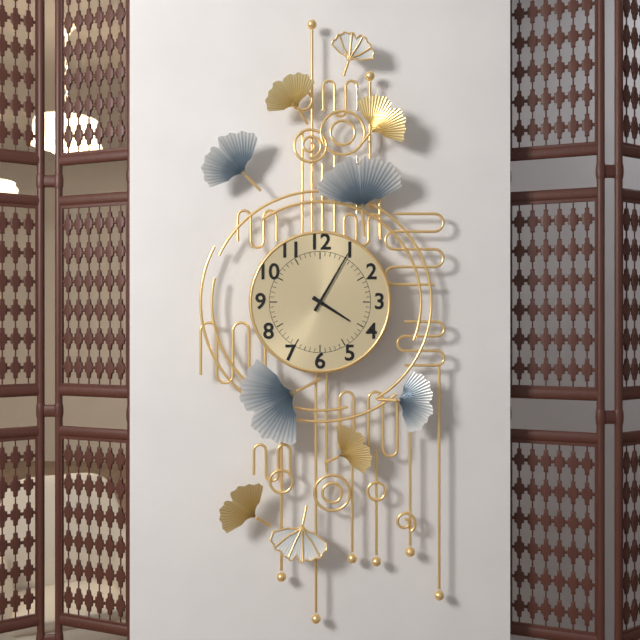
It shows 4:05
